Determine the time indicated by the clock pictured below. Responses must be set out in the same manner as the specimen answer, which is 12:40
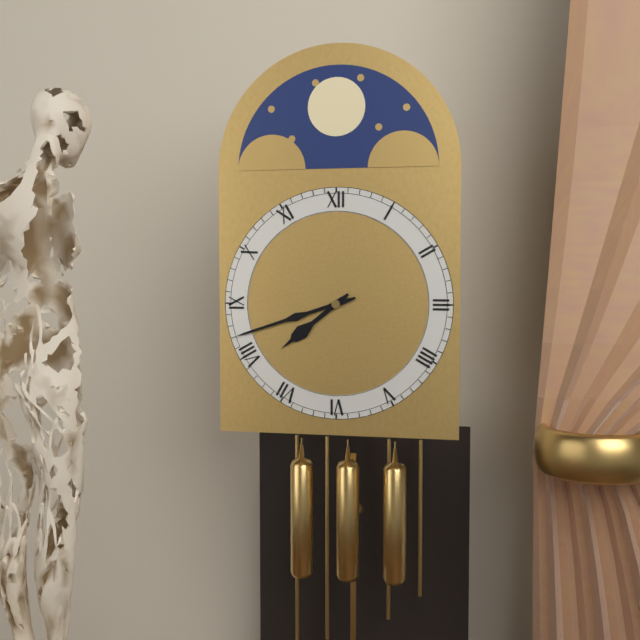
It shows 7:42
